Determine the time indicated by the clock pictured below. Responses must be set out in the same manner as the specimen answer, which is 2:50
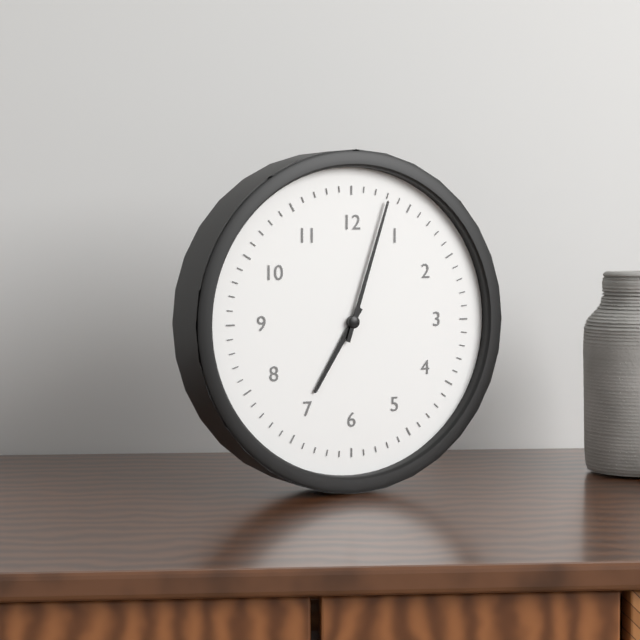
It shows 7:03
